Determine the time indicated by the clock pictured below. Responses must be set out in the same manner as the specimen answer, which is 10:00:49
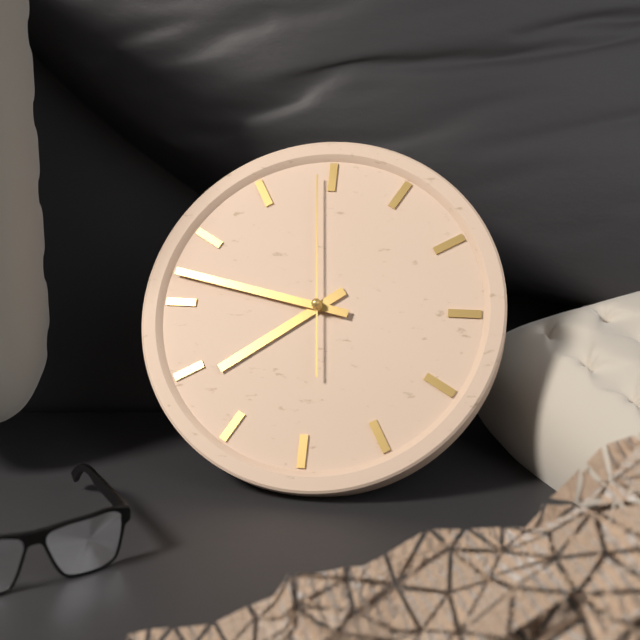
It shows 7:47:59
